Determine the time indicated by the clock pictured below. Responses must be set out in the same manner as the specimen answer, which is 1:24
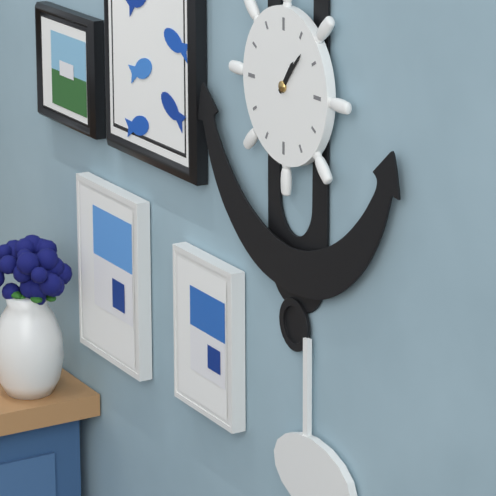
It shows 1:07
